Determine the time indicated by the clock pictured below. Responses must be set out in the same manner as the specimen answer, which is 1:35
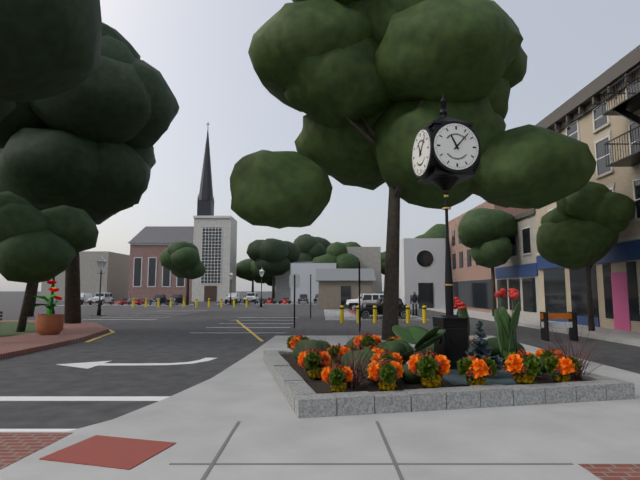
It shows 11:07
